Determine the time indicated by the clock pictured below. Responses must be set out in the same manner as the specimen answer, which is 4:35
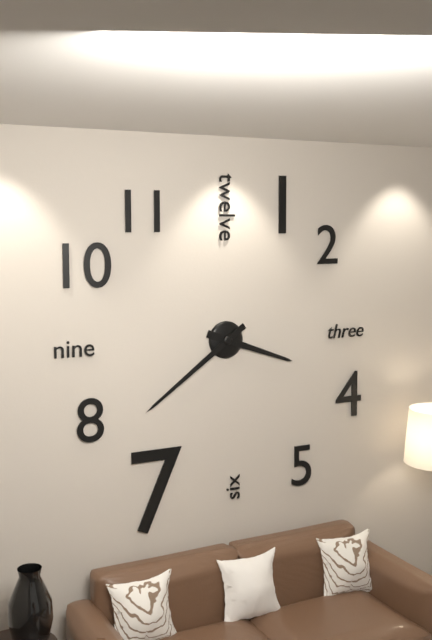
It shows 3:39
